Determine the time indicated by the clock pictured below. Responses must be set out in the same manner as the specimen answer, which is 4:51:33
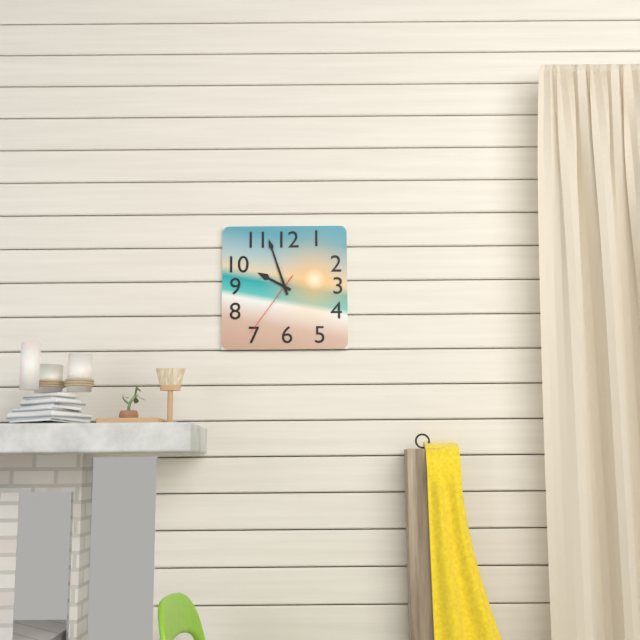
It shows 9:57:36
